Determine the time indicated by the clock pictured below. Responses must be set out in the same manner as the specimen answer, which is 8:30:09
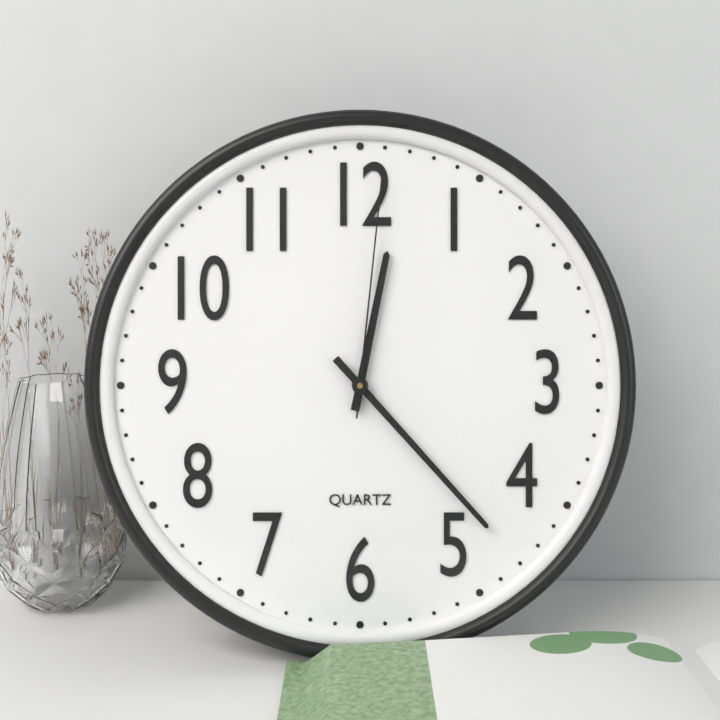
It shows 12:23:01
